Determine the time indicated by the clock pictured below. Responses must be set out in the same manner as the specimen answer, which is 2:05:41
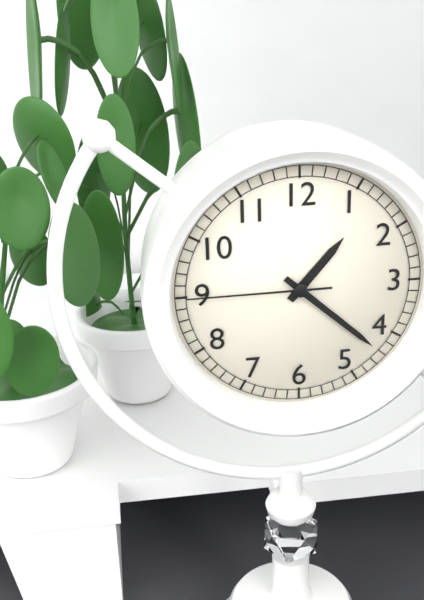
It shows 1:22:45
